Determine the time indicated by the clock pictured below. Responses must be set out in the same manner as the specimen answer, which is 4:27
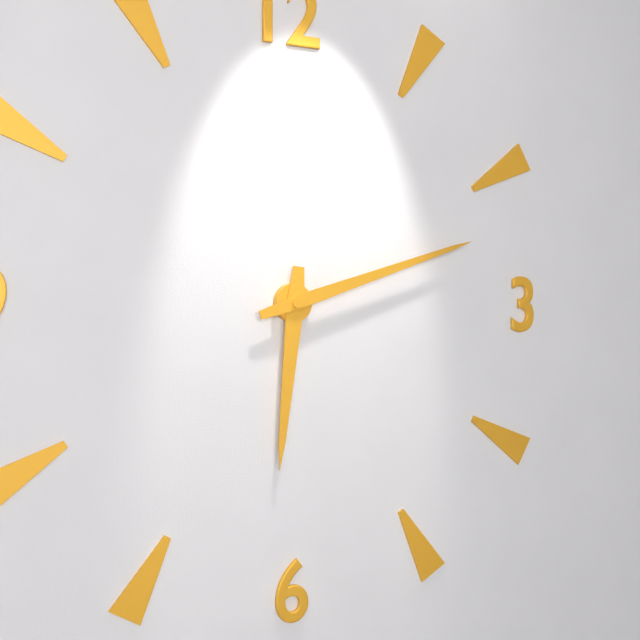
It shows 6:12
